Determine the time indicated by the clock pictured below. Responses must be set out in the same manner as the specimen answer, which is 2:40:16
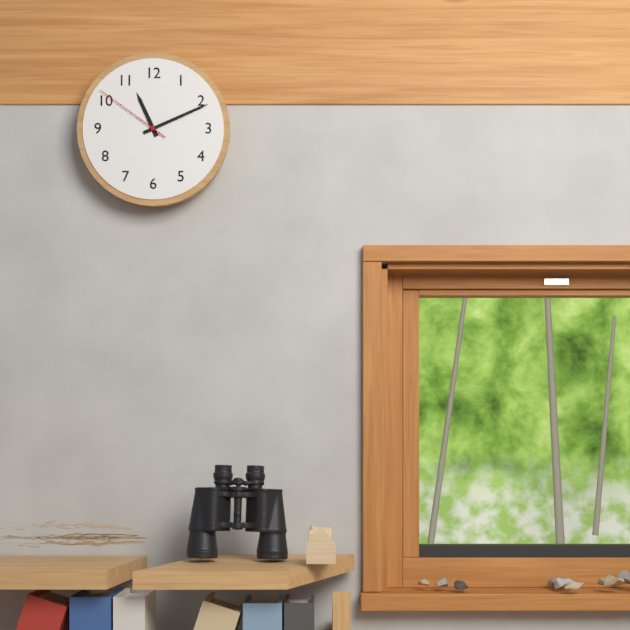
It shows 11:11:51
